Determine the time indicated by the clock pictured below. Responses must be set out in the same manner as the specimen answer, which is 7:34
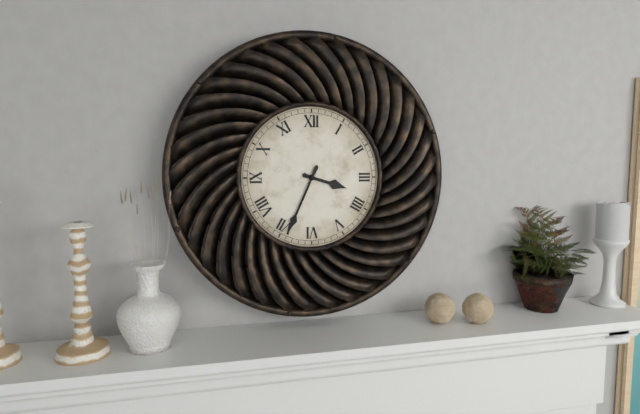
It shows 3:34
